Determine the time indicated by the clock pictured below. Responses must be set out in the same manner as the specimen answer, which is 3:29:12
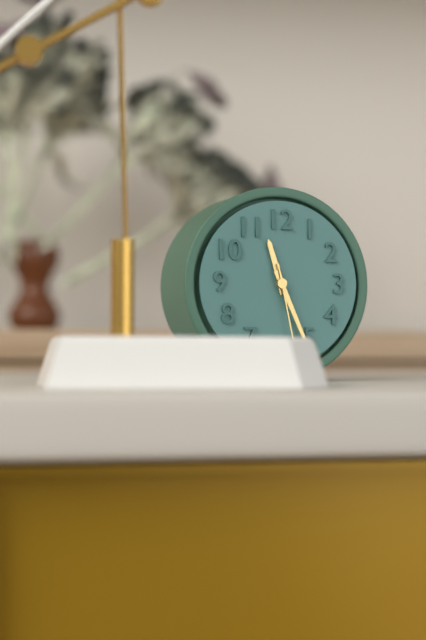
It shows 11:26:28
